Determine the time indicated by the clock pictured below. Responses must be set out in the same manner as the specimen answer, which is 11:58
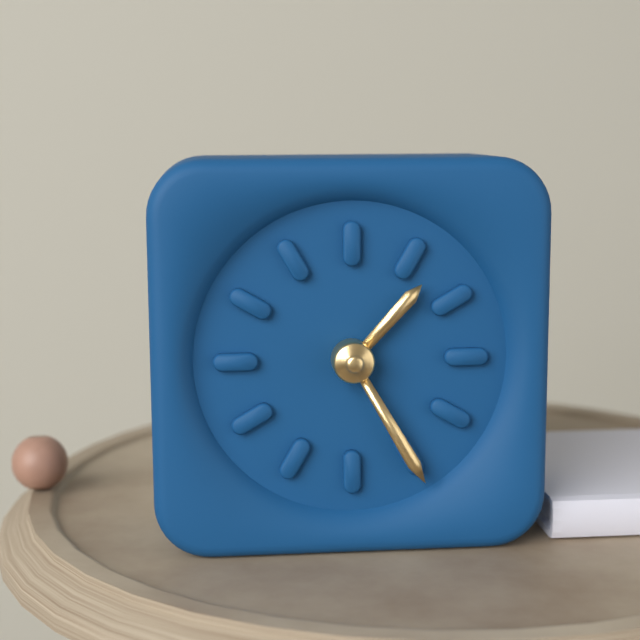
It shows 1:25
